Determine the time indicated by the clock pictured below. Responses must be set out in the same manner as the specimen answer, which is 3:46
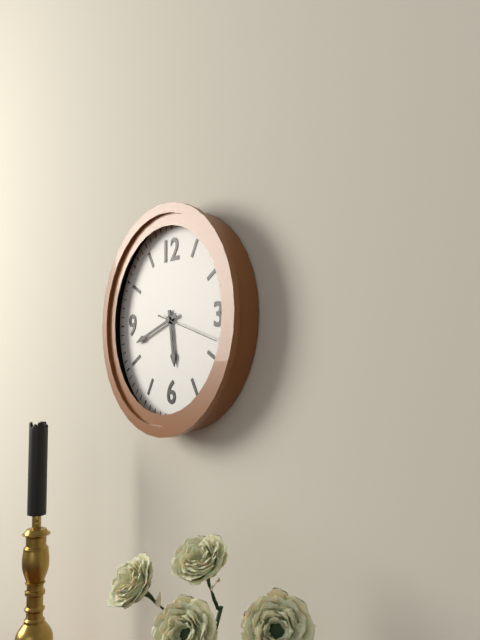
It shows 5:42
